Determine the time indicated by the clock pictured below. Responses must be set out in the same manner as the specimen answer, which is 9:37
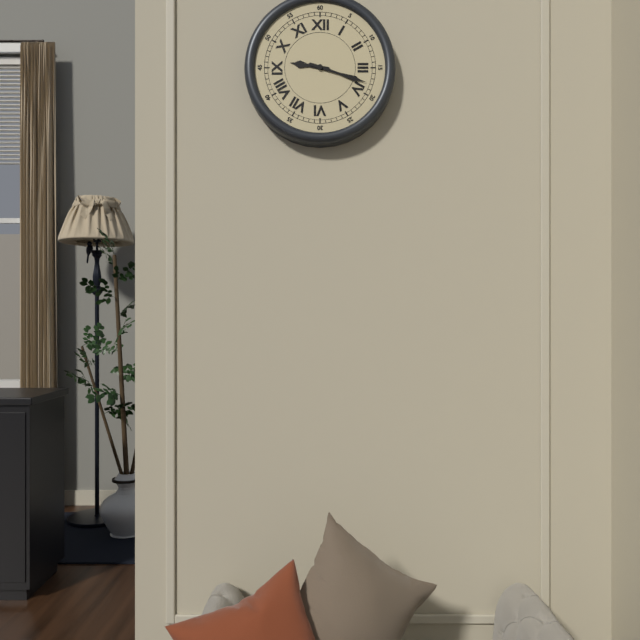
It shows 9:18
